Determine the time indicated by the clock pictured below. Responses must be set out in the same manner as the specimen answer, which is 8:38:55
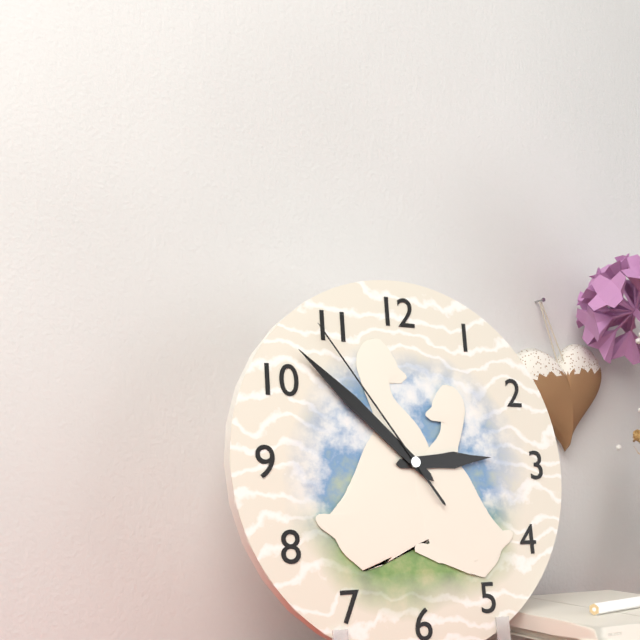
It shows 2:52:54
